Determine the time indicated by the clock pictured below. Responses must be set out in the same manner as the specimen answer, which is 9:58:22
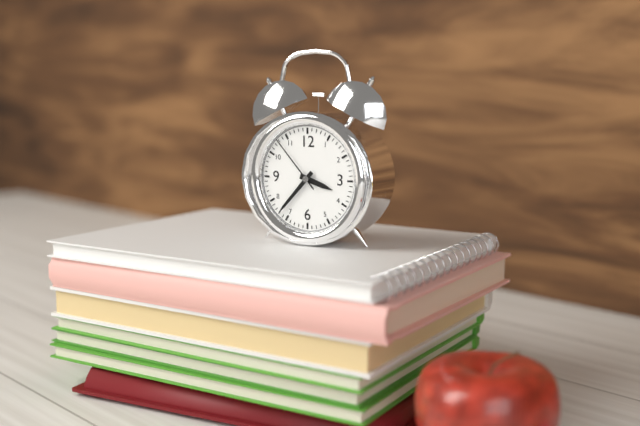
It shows 3:37:53
